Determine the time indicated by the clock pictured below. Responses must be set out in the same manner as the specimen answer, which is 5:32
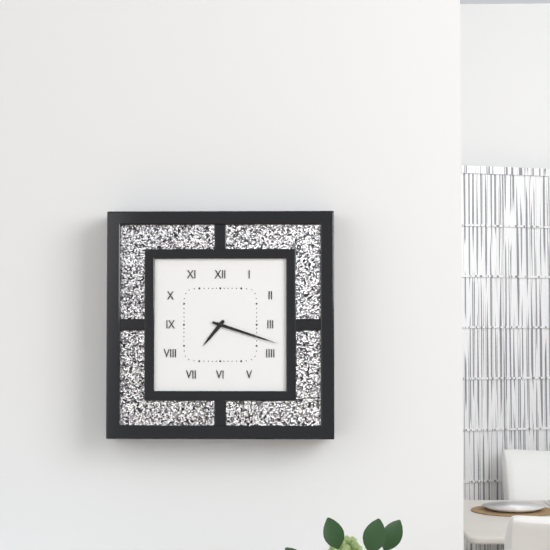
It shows 7:18
